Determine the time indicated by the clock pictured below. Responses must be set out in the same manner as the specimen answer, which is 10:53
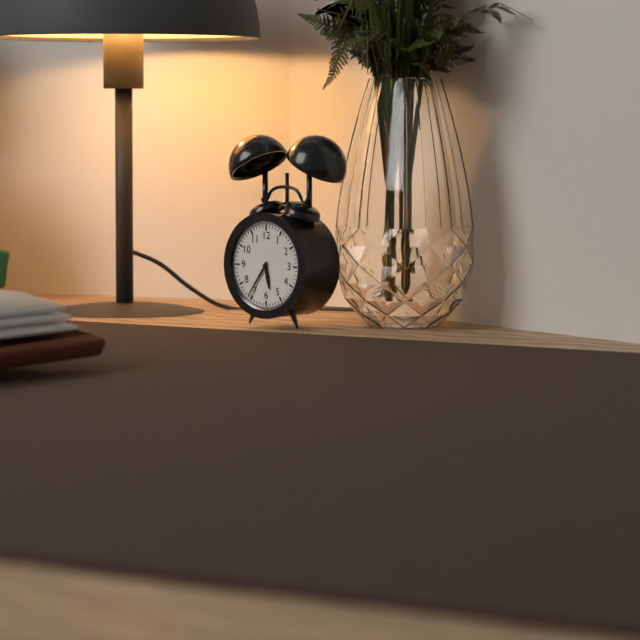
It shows 5:36
